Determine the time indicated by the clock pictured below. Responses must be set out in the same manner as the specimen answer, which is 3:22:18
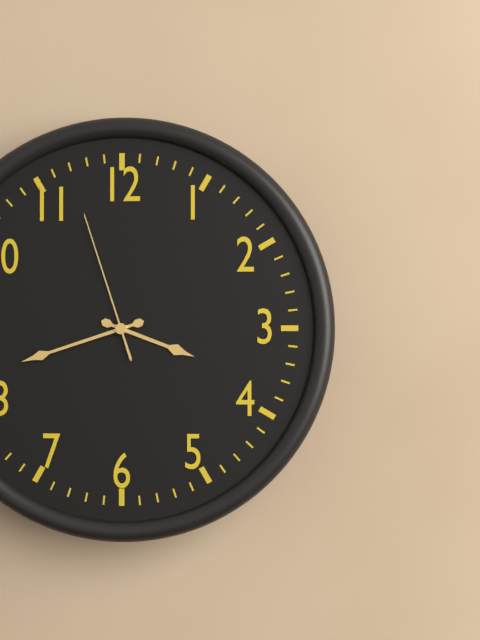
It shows 3:42:57
